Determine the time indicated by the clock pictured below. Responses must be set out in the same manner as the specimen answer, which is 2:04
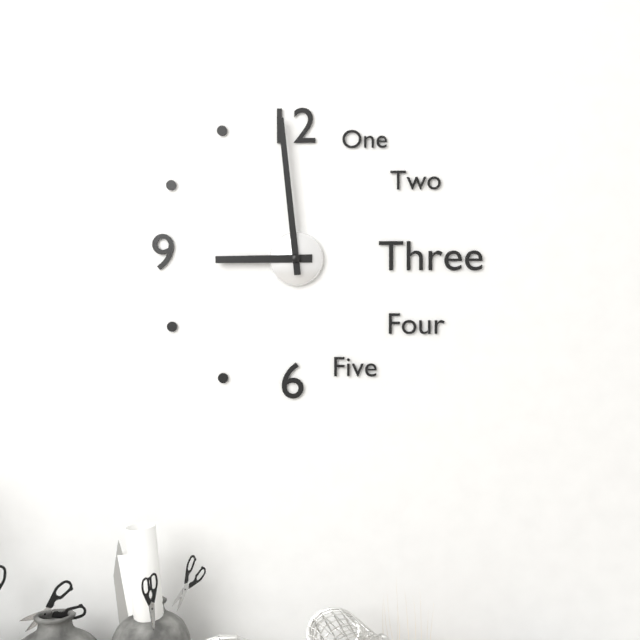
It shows 8:59
